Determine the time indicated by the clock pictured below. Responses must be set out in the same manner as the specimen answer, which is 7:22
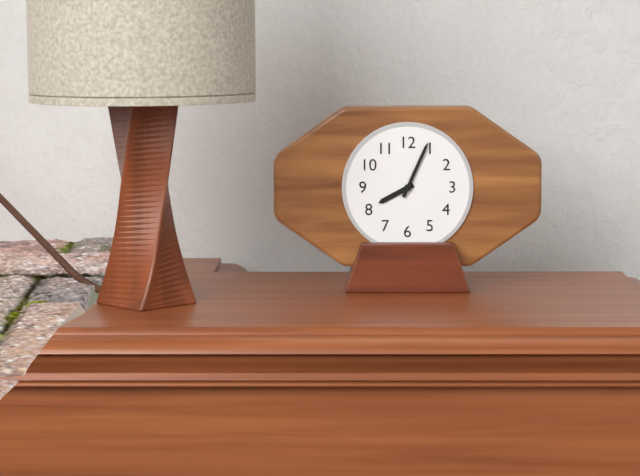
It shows 8:04
